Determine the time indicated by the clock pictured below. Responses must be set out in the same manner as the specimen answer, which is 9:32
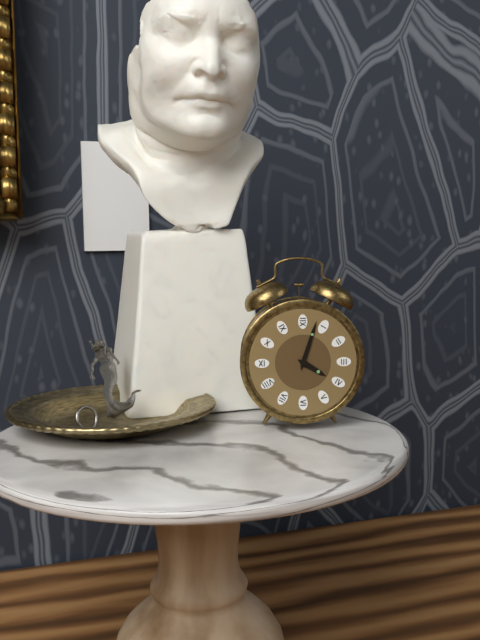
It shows 4:03
